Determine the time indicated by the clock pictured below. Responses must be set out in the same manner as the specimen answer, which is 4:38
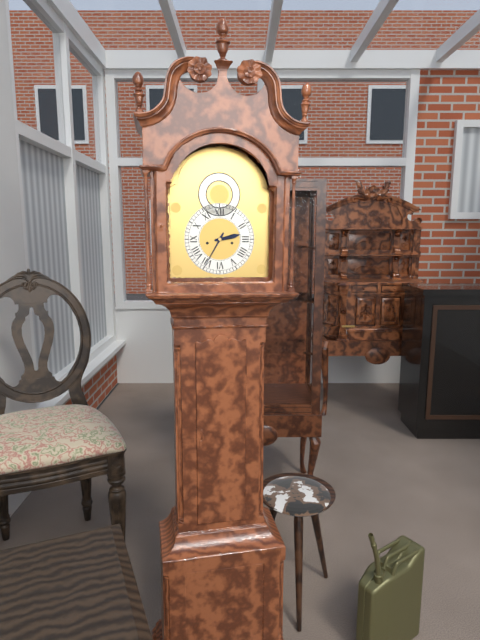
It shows 2:35
